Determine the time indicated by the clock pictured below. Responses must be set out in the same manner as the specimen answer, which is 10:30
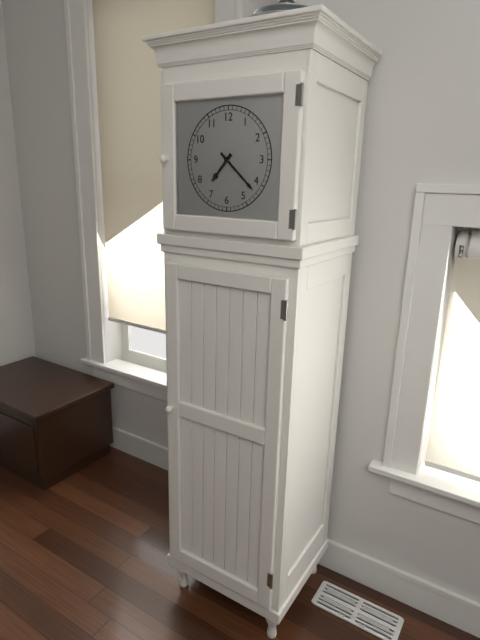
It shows 7:22
